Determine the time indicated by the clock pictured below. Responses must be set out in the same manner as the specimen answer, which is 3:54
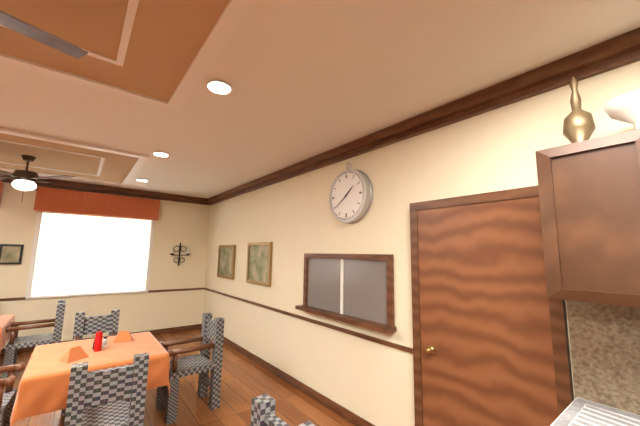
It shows 1:39
